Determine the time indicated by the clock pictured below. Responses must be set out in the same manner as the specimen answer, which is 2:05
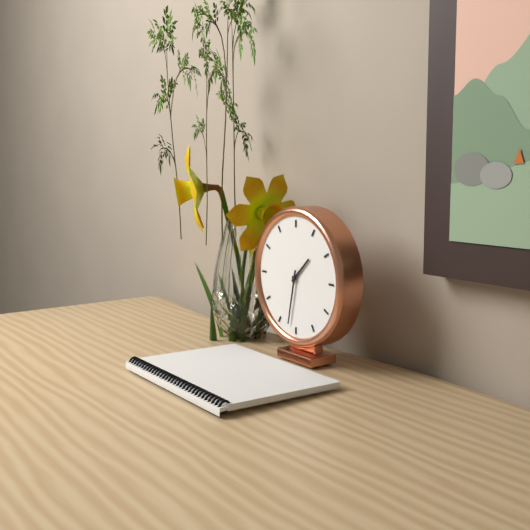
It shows 1:32
